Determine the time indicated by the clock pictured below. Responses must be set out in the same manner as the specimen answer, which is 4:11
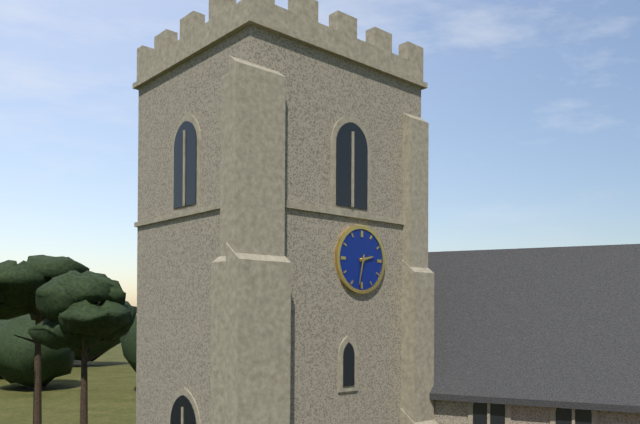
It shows 2:32
